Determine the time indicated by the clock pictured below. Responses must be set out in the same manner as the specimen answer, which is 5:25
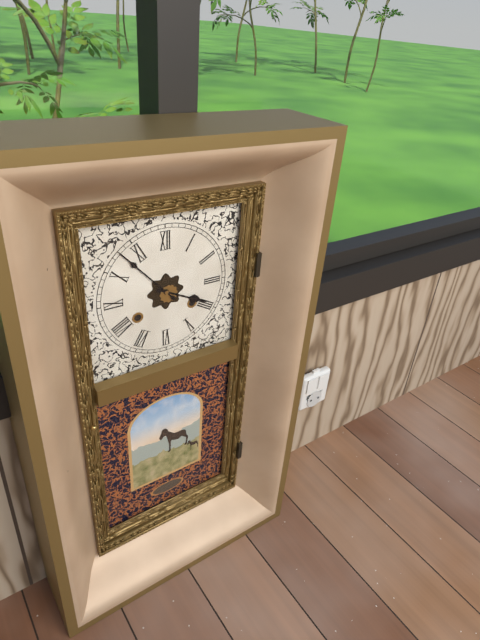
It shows 3:53
